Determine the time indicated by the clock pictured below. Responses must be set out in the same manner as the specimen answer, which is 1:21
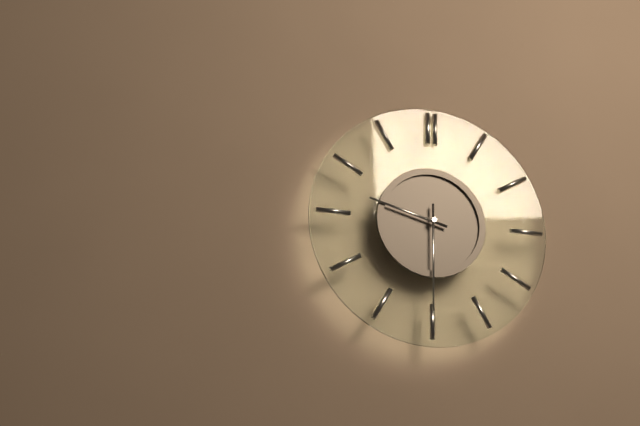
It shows 9:30
